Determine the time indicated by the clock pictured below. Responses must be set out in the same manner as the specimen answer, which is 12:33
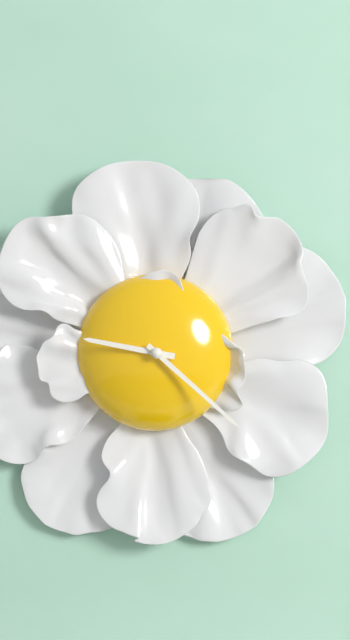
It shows 9:22
